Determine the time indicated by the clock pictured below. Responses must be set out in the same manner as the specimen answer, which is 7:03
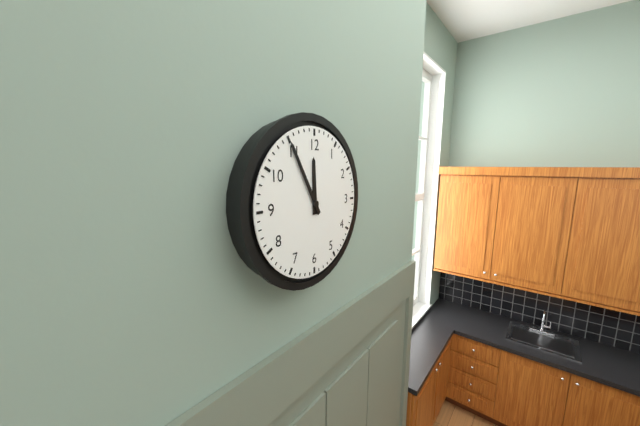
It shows 11:55
